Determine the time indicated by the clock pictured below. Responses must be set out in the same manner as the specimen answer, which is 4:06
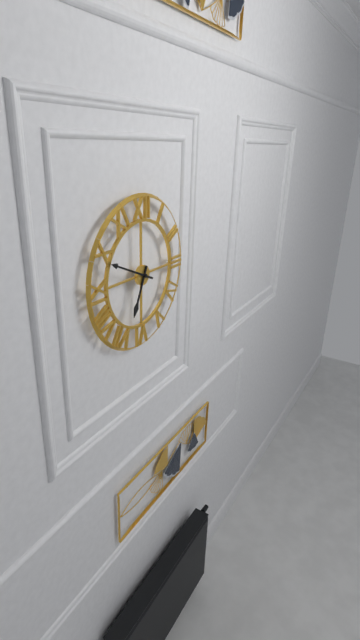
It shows 6:49
